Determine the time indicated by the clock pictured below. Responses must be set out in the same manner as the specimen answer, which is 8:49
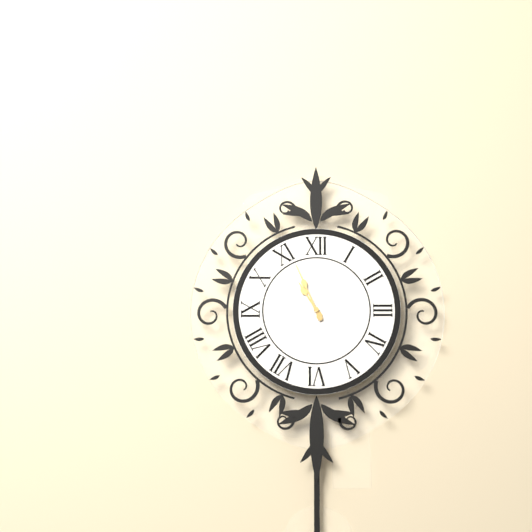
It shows 10:56
